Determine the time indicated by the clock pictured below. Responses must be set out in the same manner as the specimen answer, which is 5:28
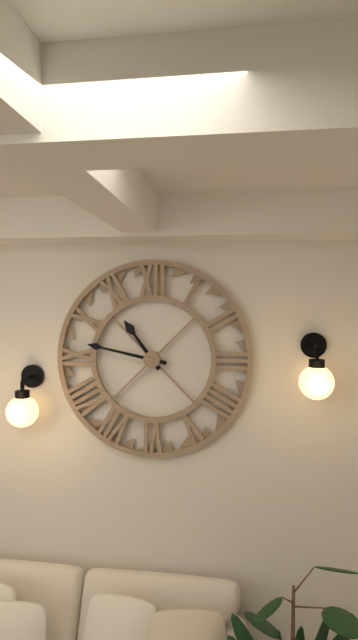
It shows 10:47
